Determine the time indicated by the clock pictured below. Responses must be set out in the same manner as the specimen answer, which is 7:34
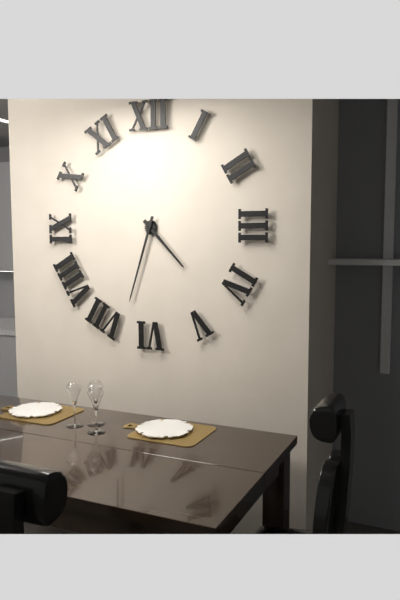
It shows 4:33
